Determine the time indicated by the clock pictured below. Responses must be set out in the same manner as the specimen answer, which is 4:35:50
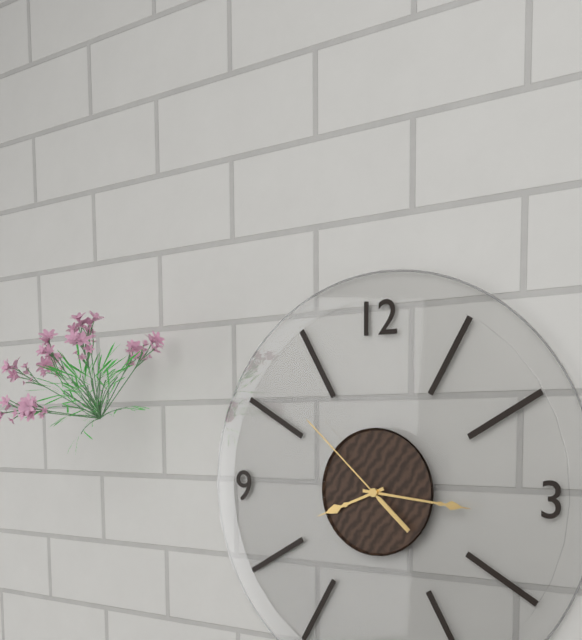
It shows 8:16:52
